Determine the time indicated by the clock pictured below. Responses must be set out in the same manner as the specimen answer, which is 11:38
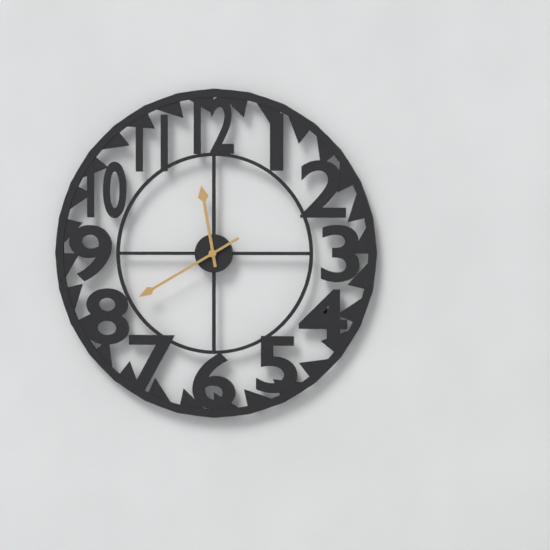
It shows 11:40
